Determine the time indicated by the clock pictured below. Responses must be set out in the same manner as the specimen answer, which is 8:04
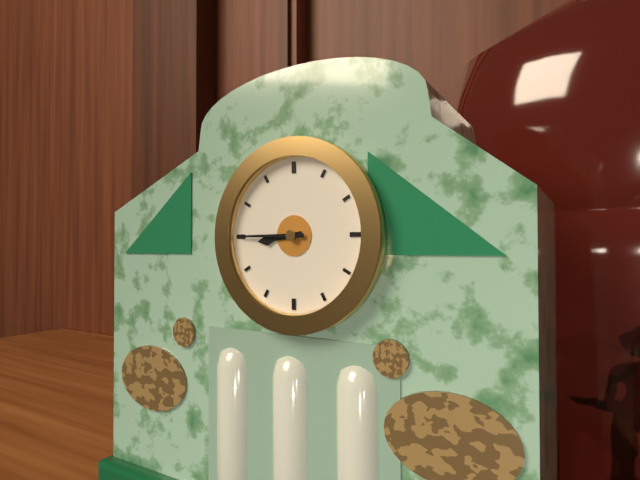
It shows 8:45
